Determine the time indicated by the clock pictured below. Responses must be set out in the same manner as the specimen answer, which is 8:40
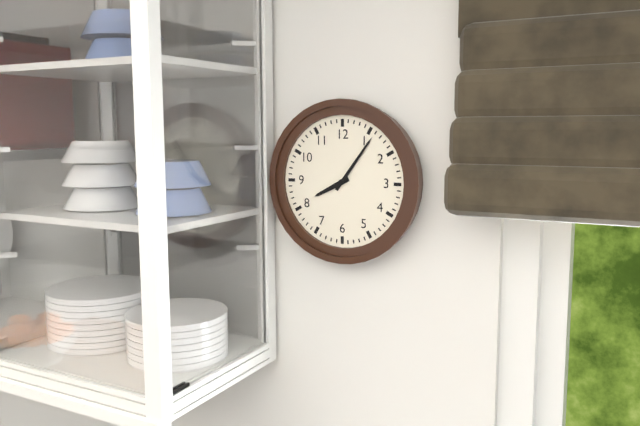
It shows 8:06
